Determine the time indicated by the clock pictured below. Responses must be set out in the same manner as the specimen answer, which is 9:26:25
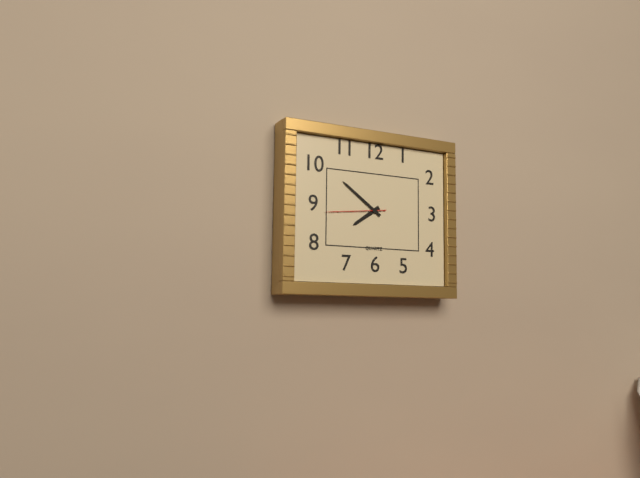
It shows 7:51:44
